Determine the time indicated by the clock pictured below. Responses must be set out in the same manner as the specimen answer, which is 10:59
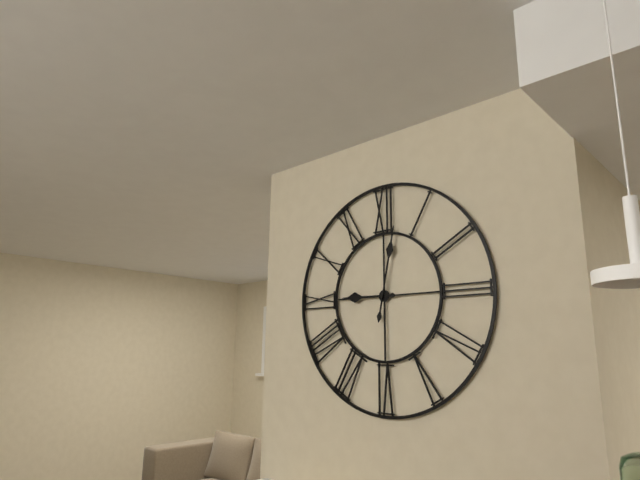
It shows 9:02
